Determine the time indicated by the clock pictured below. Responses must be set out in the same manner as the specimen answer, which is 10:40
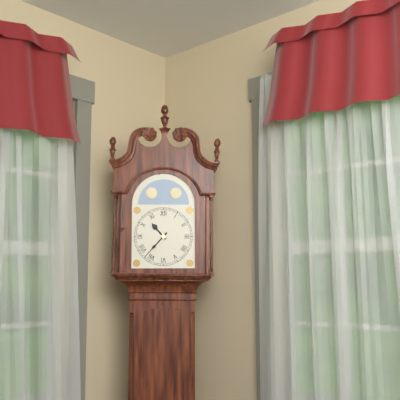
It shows 10:37
